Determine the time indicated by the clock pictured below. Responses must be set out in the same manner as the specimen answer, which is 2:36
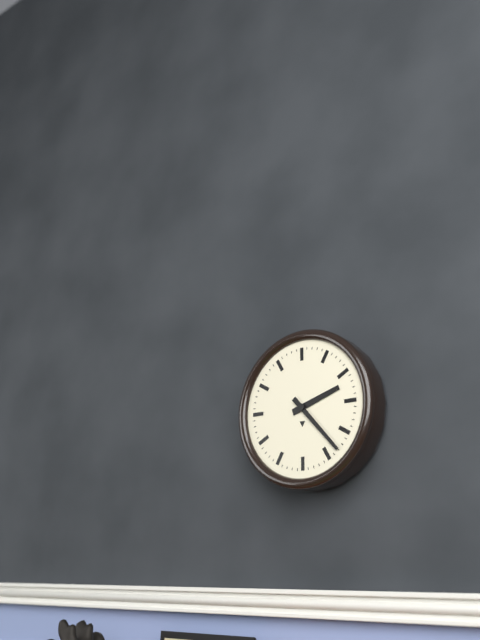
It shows 2:23
